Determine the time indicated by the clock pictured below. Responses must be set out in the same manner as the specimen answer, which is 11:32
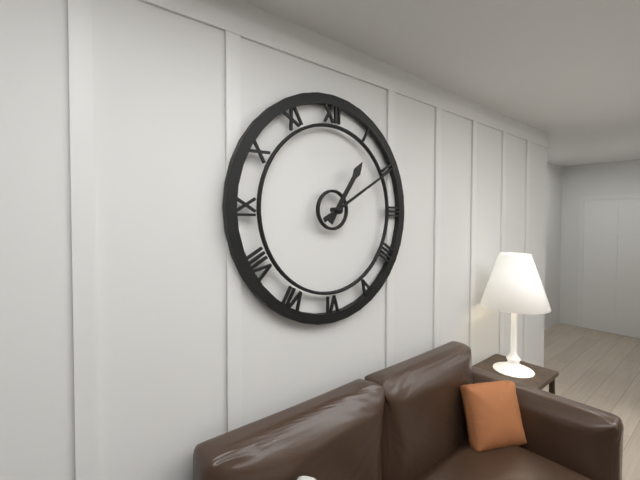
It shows 1:10
